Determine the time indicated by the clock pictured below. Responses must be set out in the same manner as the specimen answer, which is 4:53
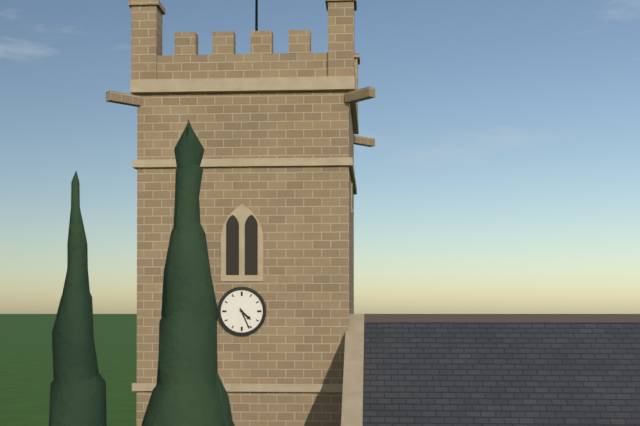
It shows 4:26
